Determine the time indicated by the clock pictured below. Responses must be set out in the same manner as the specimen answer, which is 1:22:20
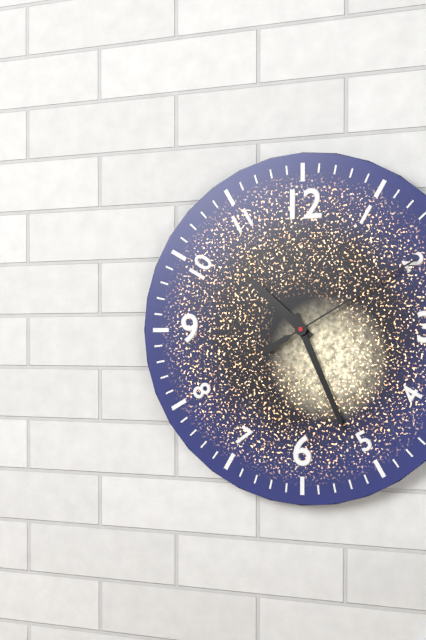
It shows 10:26:10
